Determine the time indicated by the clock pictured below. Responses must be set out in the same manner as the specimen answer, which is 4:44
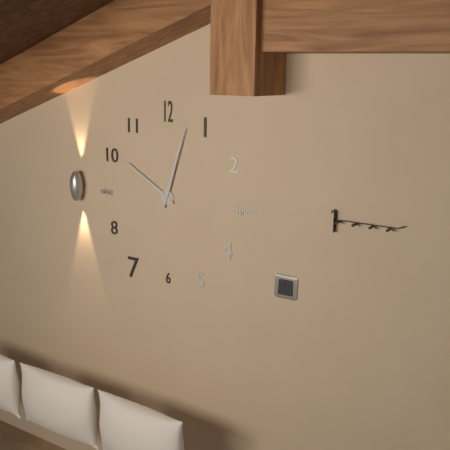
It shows 10:03
